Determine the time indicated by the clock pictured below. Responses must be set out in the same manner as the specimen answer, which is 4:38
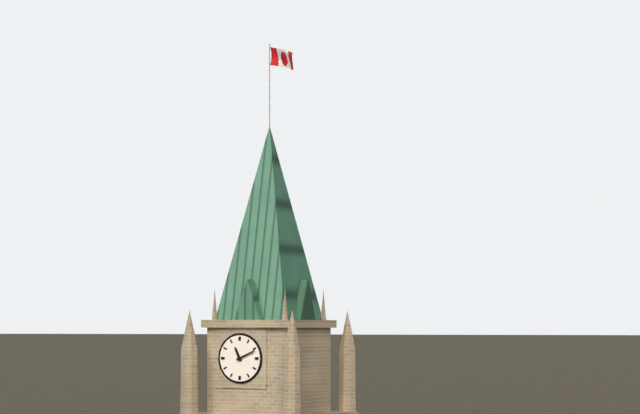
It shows 11:11
